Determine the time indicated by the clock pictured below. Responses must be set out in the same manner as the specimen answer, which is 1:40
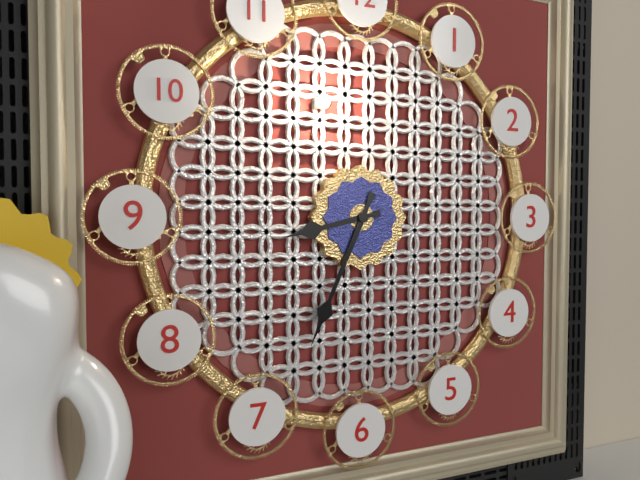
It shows 8:34
